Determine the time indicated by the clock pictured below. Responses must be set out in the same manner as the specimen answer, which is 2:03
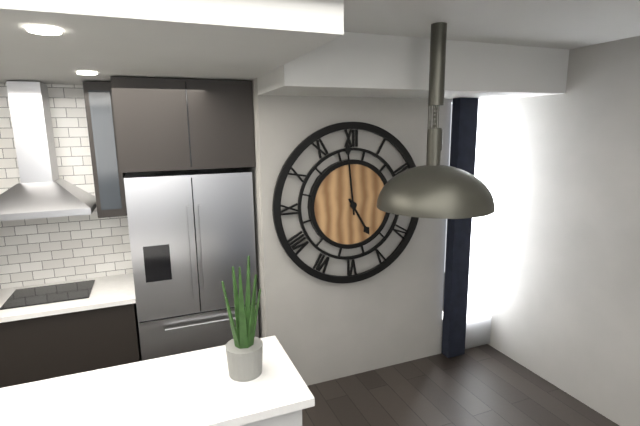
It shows 4:59
